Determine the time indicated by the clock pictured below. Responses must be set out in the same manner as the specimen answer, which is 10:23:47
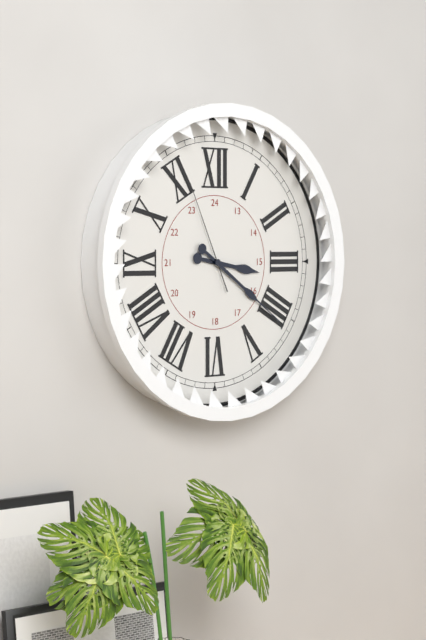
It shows 3:21:56
